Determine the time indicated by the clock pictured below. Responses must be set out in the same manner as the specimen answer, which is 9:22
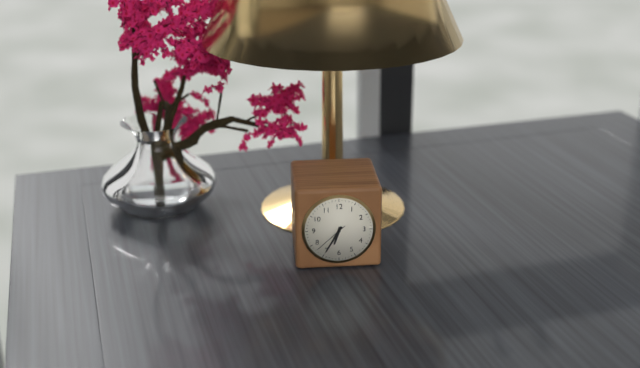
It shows 6:35
